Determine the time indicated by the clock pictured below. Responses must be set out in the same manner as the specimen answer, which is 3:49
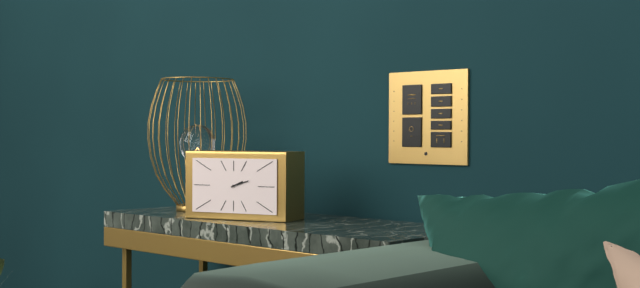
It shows 2:12
